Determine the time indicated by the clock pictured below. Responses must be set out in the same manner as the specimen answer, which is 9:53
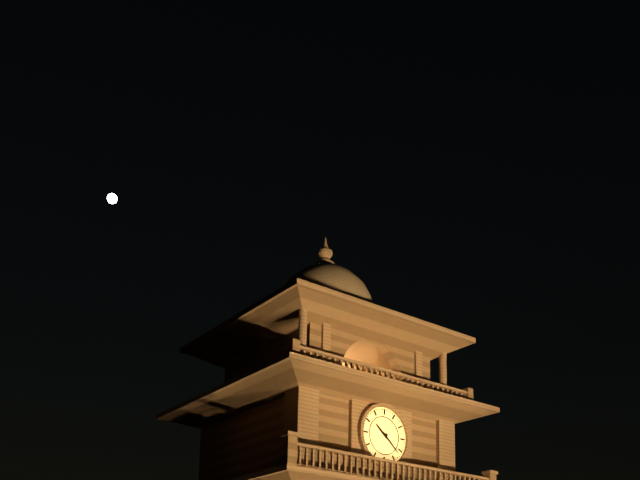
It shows 10:22
